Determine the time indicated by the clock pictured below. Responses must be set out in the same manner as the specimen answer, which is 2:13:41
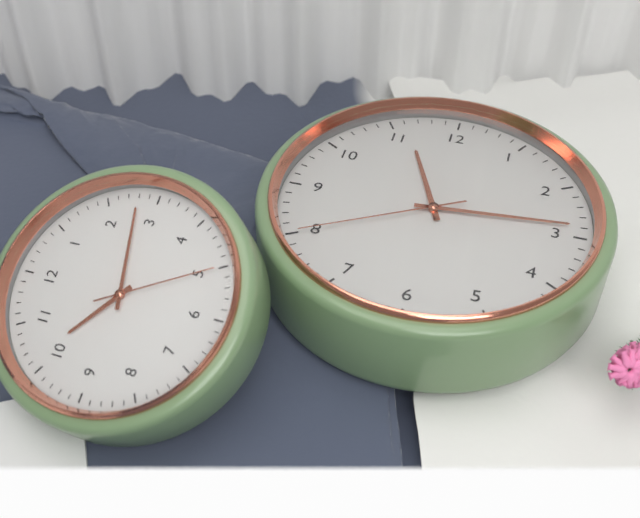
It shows 11:14:40
